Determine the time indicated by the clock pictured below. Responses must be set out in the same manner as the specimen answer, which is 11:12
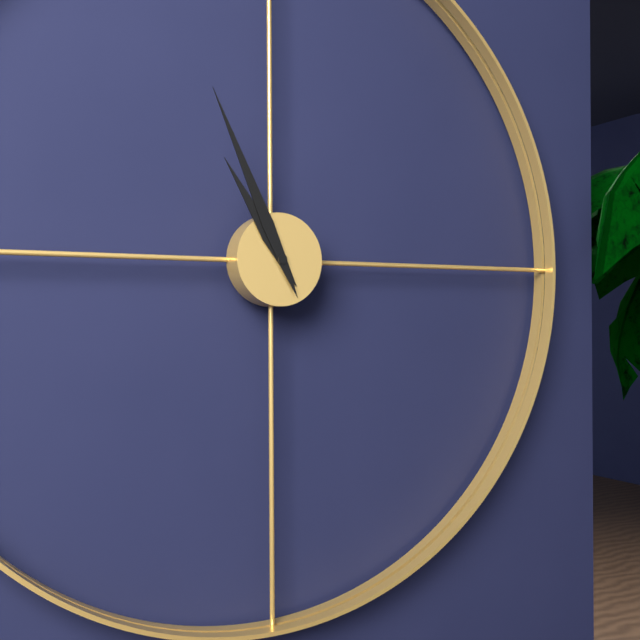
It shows 10:56
